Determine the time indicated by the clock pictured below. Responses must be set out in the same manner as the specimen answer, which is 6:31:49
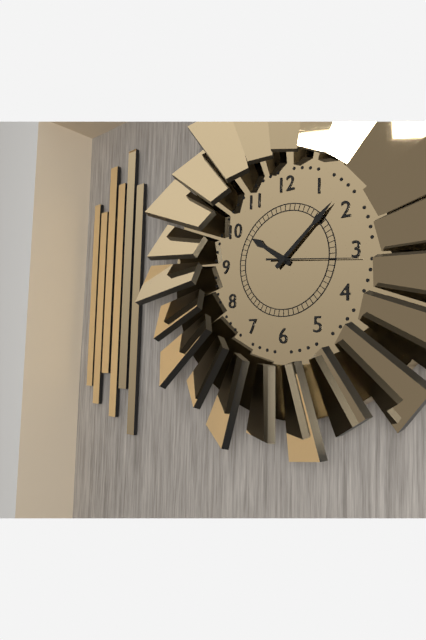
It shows 10:08:16
